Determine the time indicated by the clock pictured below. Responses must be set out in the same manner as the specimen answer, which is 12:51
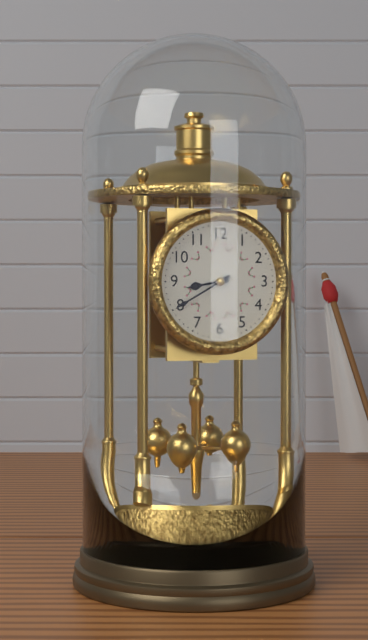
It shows 8:40
